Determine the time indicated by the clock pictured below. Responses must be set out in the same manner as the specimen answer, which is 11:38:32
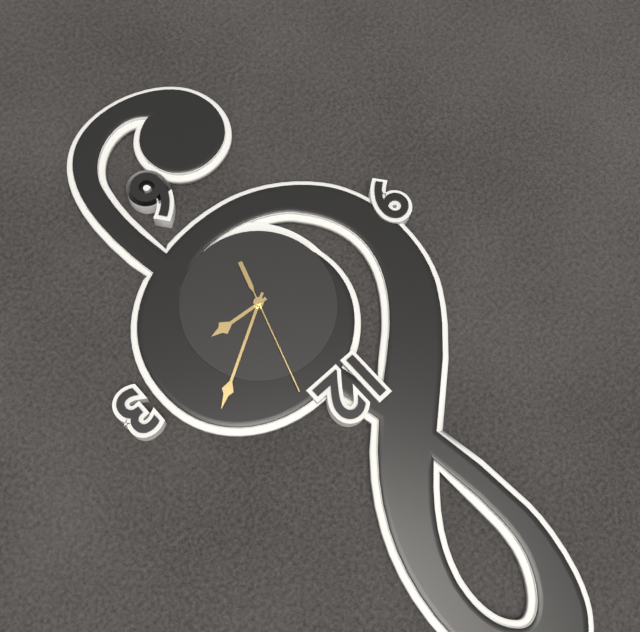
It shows 3:10:03
